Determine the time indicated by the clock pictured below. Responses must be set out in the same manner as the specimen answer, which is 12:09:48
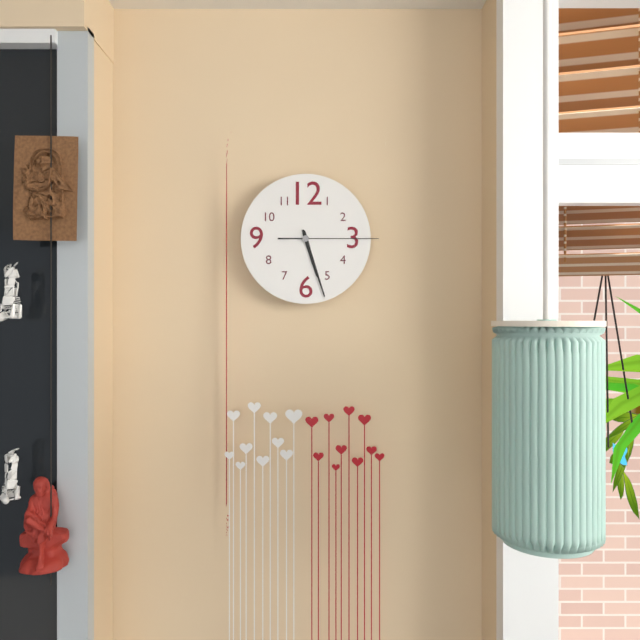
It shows 5:27:15
